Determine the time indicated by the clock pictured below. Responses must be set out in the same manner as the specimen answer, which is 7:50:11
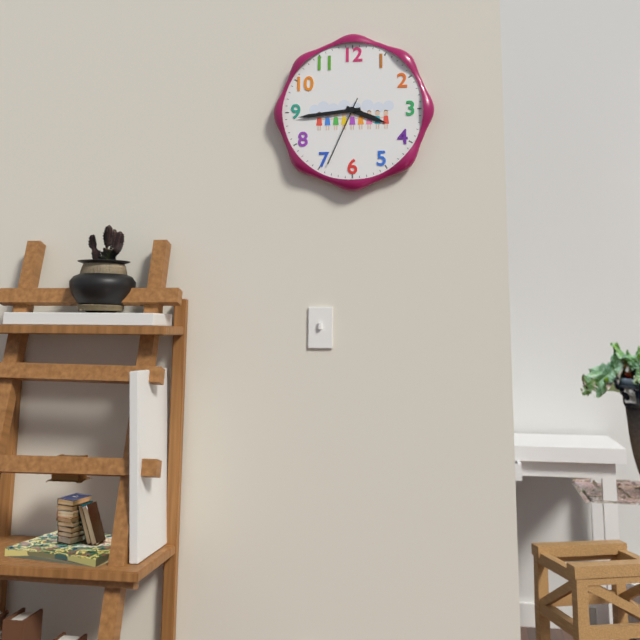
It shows 3:44:34
